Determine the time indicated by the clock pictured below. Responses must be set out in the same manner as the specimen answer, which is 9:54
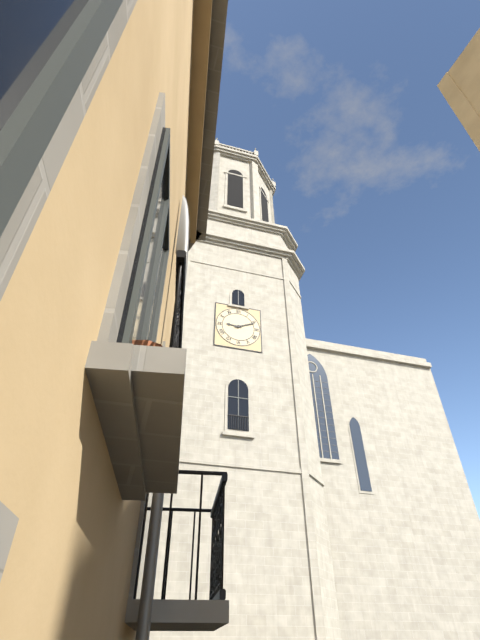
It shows 9:11
